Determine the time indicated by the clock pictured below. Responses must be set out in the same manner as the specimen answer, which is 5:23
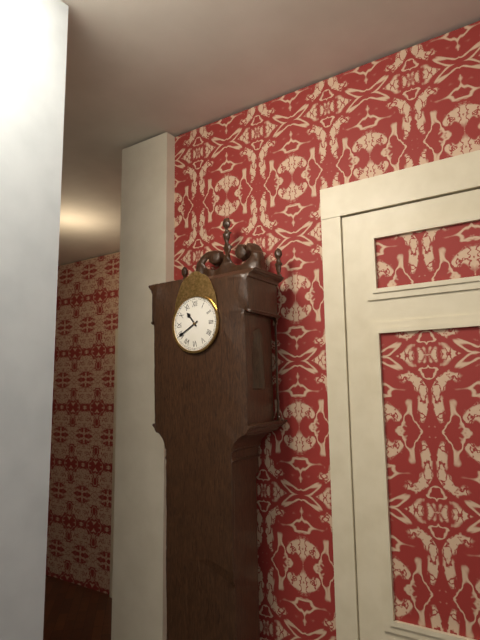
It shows 10:40
